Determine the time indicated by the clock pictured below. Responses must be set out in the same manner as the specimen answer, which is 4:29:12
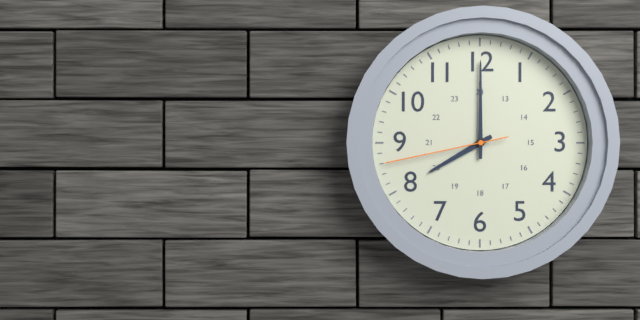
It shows 8:00:43
